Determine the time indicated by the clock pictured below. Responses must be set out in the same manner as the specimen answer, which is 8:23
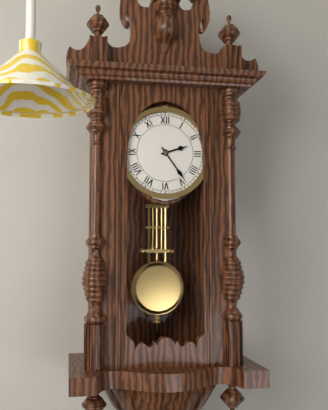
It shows 2:24
